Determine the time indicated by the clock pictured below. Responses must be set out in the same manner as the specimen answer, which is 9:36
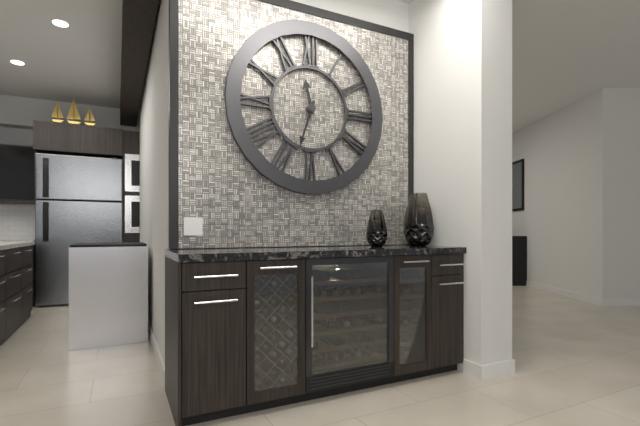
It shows 11:33
